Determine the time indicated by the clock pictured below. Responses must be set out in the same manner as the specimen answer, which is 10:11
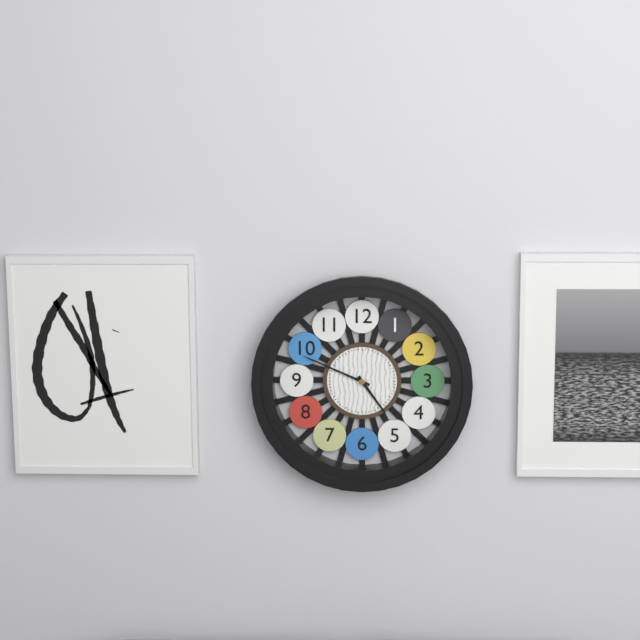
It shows 4:49
